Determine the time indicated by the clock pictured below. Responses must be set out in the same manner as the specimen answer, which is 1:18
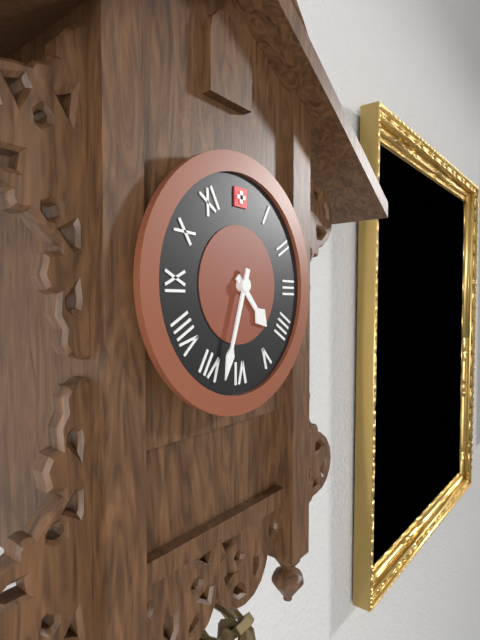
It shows 4:33
